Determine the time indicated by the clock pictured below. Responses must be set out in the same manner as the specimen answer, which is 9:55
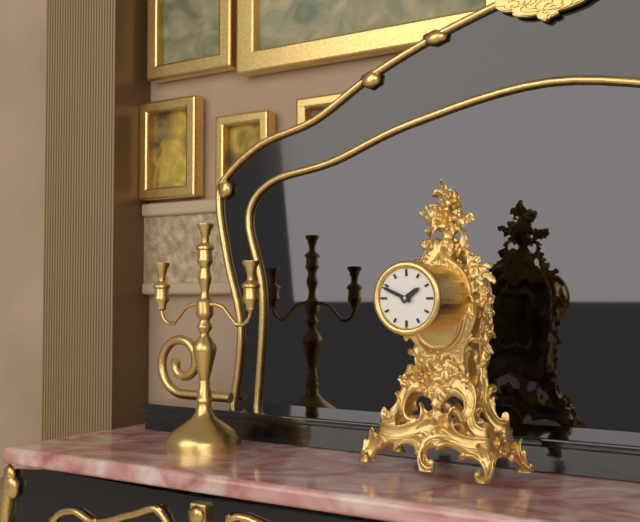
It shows 1:49
